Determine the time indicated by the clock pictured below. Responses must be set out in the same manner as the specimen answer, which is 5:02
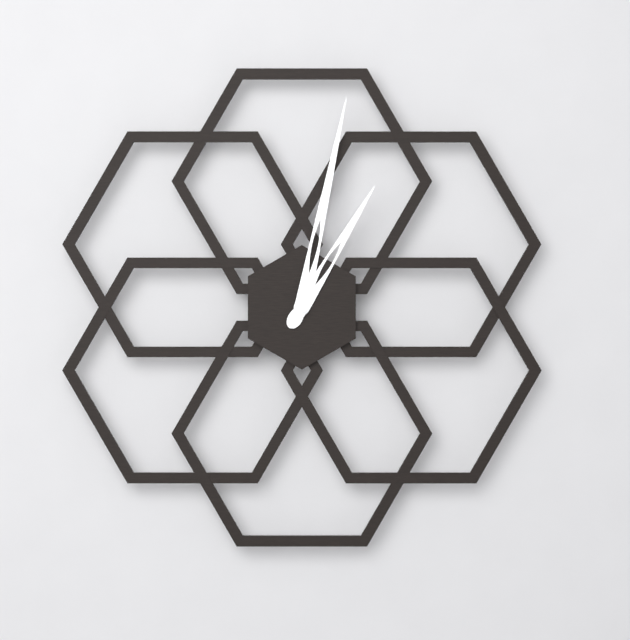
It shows 1:02
